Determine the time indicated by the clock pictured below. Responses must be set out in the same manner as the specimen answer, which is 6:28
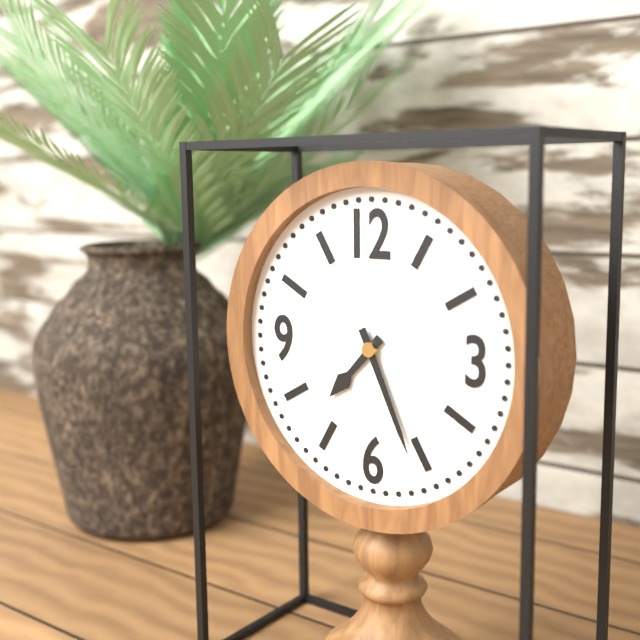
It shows 7:26
